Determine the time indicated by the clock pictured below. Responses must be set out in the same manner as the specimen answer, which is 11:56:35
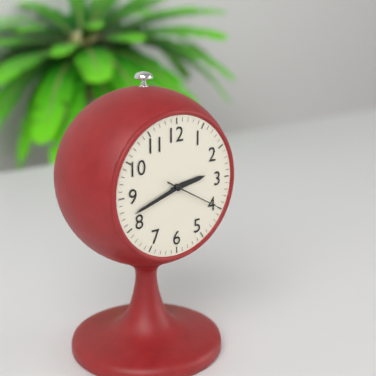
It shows 2:42:20
